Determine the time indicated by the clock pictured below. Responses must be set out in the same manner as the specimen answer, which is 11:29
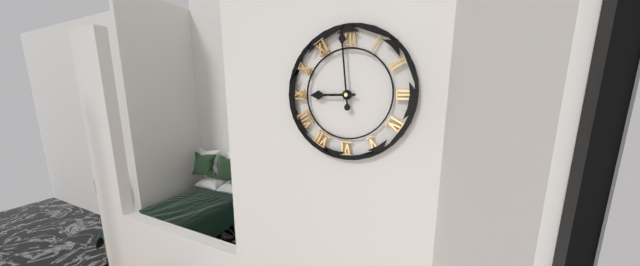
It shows 8:59
